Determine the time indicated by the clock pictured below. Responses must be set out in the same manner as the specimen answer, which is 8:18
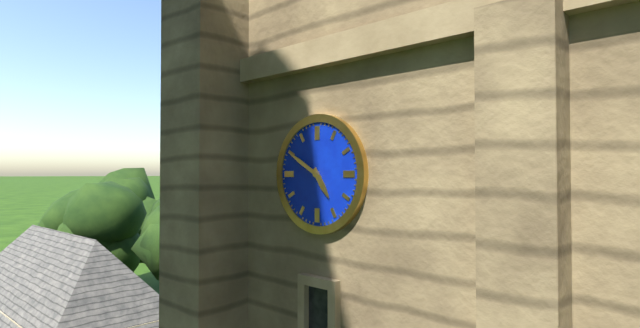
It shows 4:50
